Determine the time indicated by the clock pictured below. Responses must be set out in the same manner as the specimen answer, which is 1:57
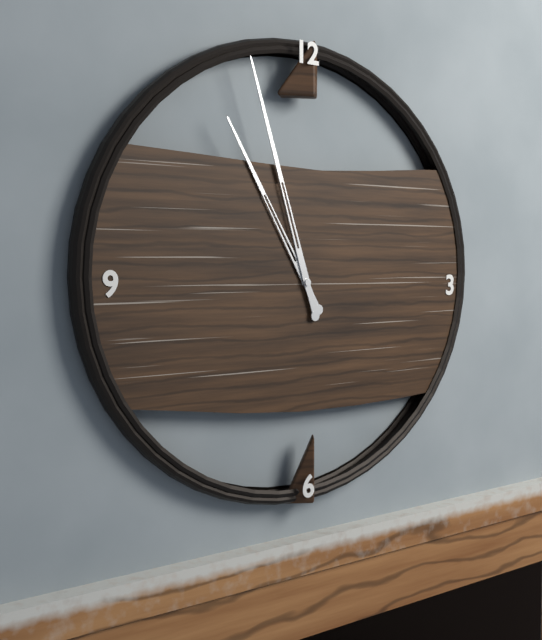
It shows 10:57
